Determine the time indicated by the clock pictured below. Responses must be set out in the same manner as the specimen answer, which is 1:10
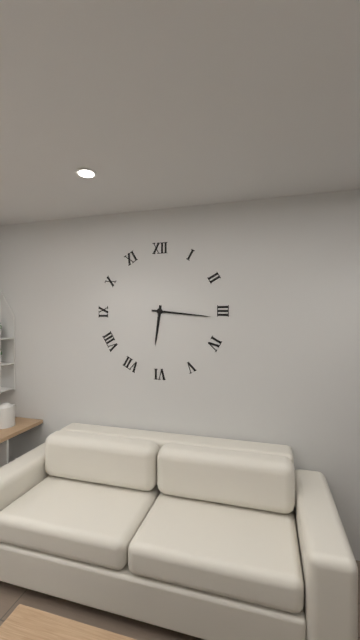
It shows 6:16
